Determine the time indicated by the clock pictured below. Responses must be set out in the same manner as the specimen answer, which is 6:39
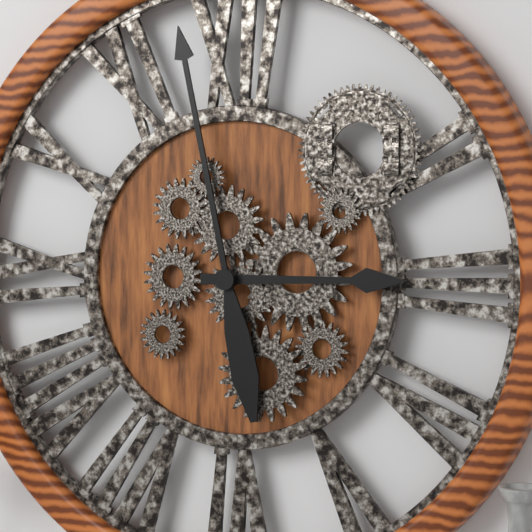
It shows 2:58
